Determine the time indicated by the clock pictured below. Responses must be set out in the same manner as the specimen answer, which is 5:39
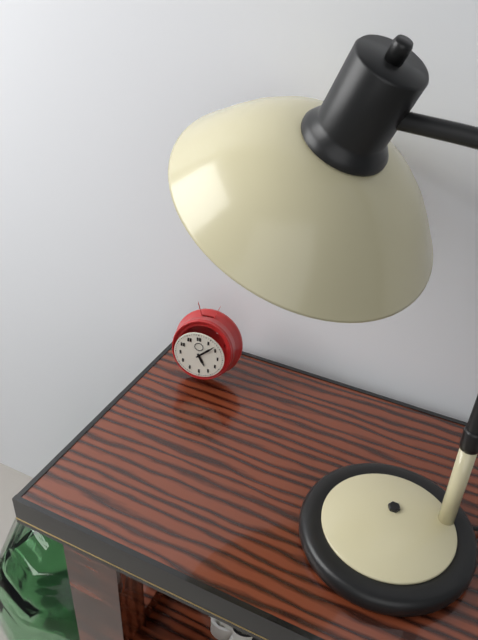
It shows 5:08
